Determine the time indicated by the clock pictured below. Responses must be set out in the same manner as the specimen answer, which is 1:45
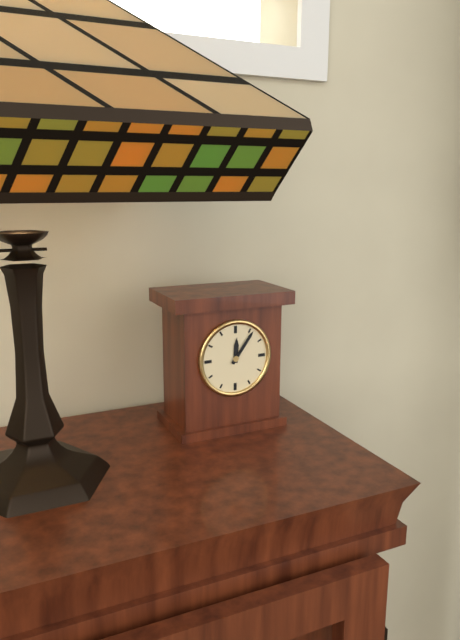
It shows 12:06
